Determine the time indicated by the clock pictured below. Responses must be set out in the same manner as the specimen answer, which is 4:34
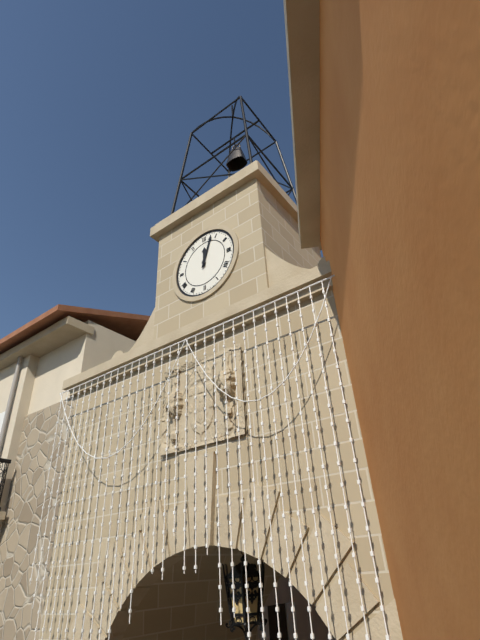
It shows 12:03
